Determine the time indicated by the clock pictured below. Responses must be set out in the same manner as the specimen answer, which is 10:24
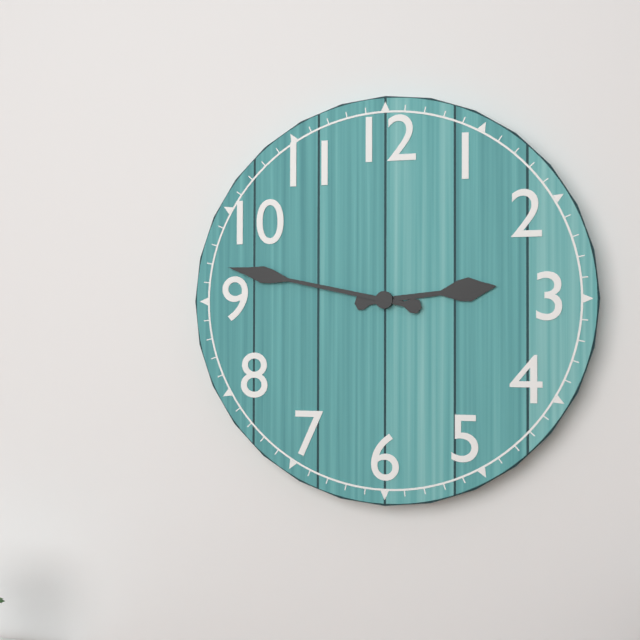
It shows 2:47
